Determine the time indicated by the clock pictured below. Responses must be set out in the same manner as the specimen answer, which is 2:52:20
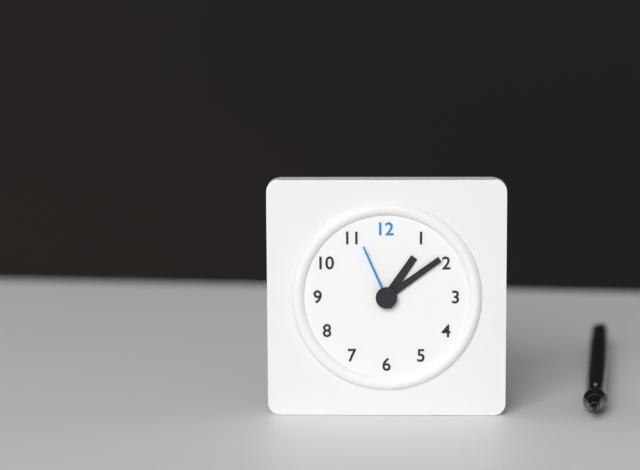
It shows 1:09:56
